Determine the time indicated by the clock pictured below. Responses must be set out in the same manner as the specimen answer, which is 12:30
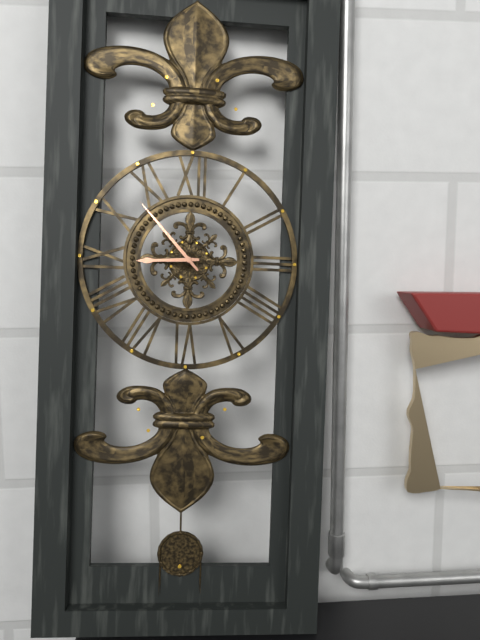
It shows 8:53
